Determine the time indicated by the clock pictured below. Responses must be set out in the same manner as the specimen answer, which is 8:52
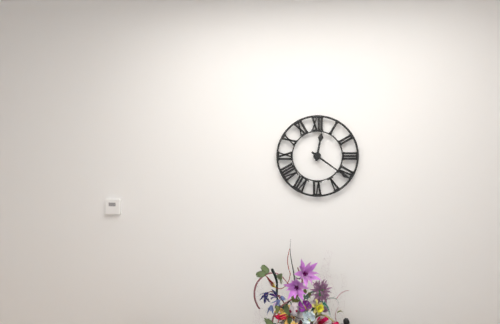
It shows 12:21
